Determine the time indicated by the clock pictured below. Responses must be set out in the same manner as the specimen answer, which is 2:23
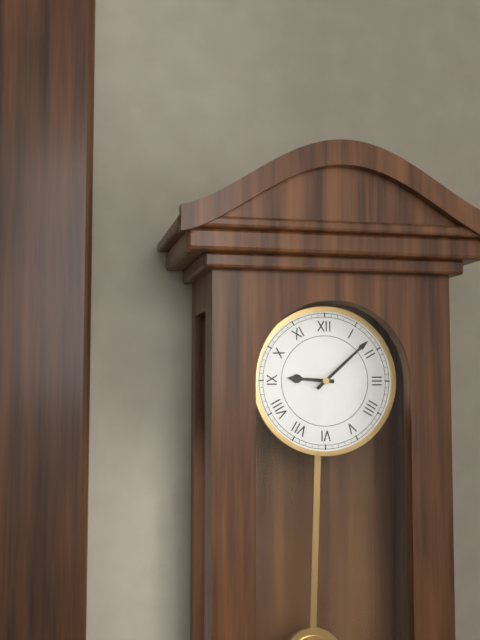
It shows 9:08
